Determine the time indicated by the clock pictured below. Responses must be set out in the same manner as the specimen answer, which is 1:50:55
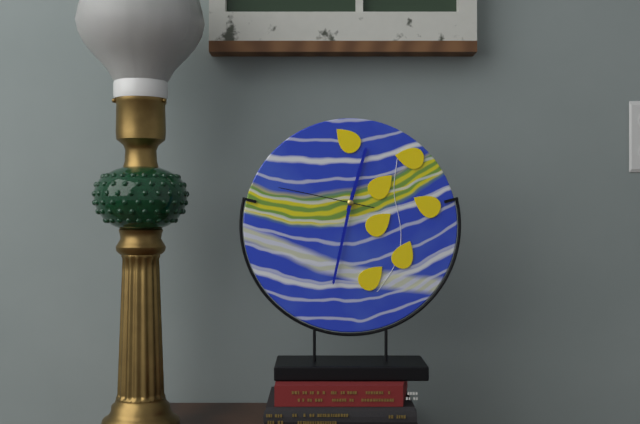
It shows 12:32:47
